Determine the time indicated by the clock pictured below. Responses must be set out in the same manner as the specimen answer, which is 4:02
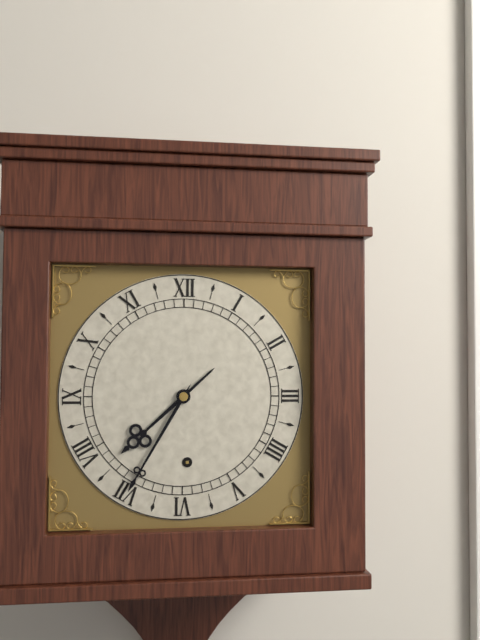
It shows 7:35
